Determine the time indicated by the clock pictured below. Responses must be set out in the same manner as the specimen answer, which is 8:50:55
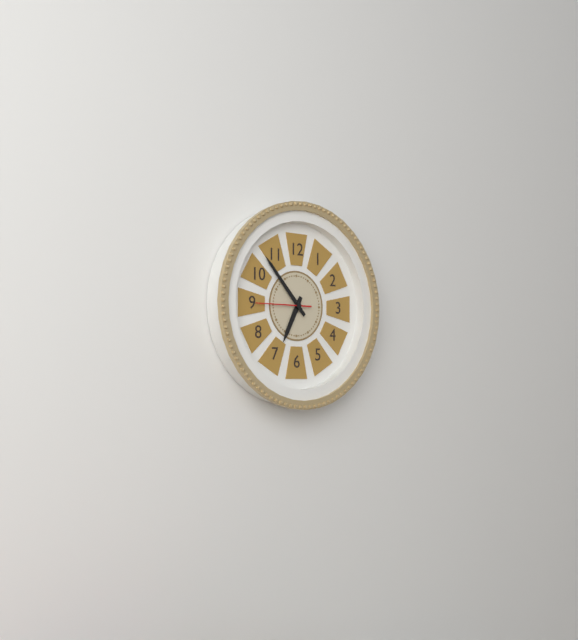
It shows 6:53:45
